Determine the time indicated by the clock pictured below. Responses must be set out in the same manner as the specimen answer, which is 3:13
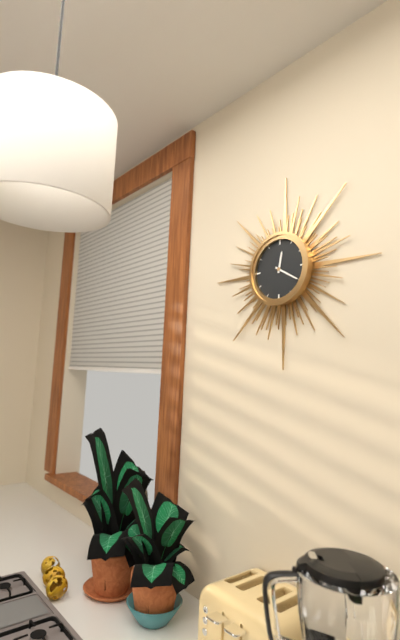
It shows 12:20
